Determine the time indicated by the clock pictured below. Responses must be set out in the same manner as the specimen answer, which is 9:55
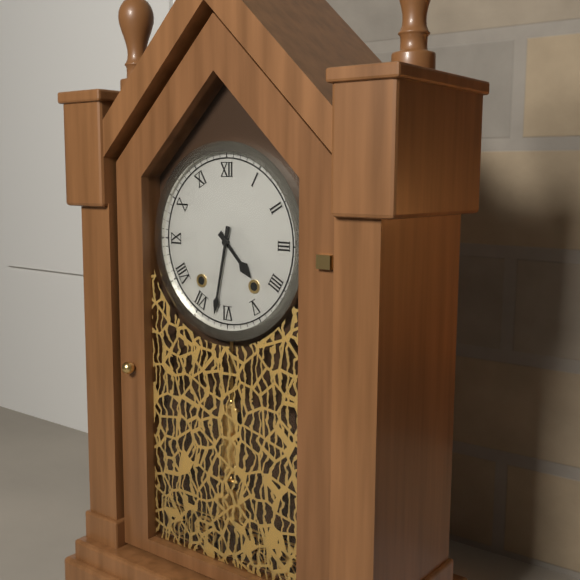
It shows 4:32
